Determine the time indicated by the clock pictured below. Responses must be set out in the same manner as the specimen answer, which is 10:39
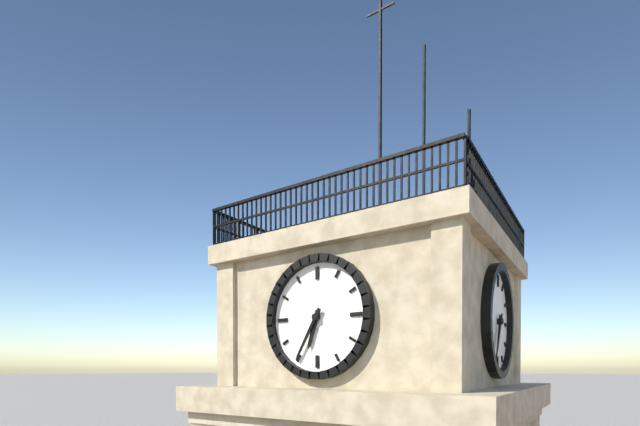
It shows 6:35
